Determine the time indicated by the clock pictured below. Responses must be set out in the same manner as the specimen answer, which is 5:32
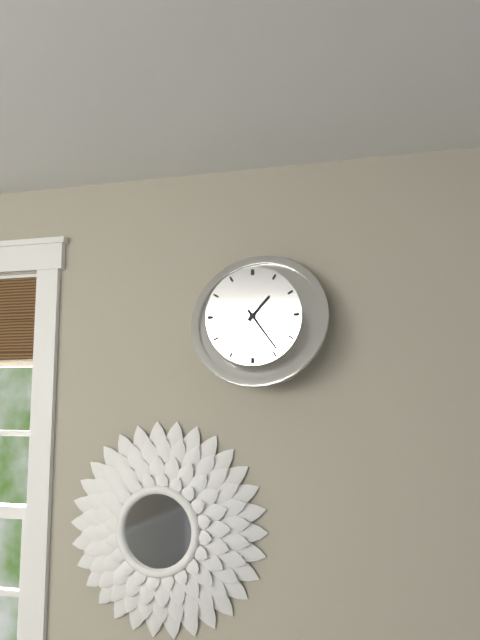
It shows 1:24
